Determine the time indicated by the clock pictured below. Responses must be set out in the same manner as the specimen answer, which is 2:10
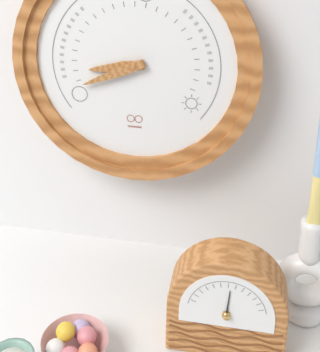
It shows 8:41
